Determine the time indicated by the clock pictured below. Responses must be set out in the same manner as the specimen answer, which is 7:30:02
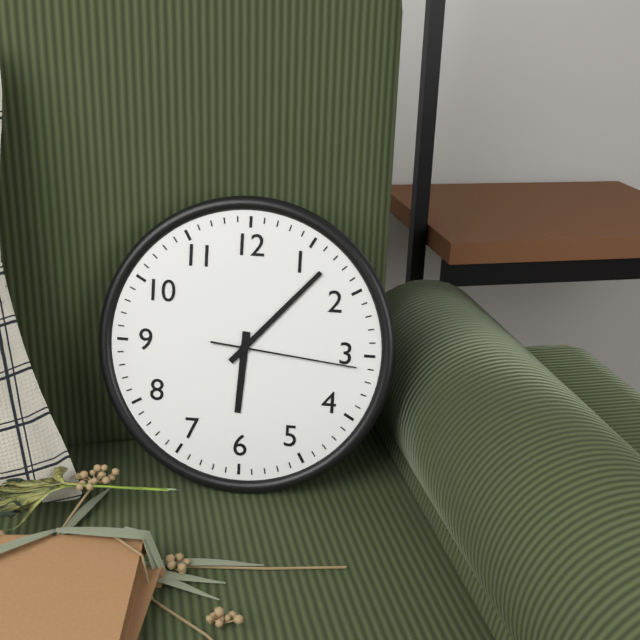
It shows 6:07:16
